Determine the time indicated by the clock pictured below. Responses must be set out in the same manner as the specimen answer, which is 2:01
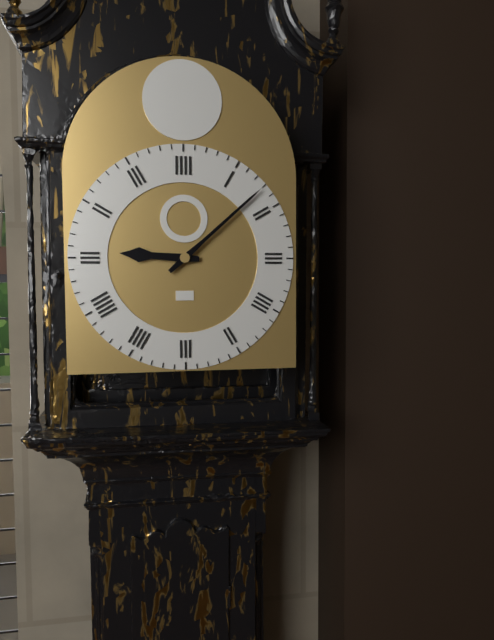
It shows 9:08
